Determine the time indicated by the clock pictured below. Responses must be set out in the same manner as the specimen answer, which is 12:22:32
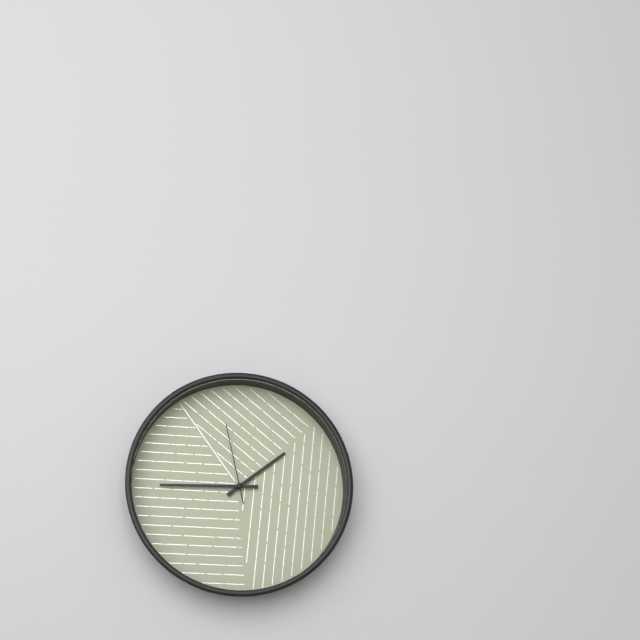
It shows 1:45:58
